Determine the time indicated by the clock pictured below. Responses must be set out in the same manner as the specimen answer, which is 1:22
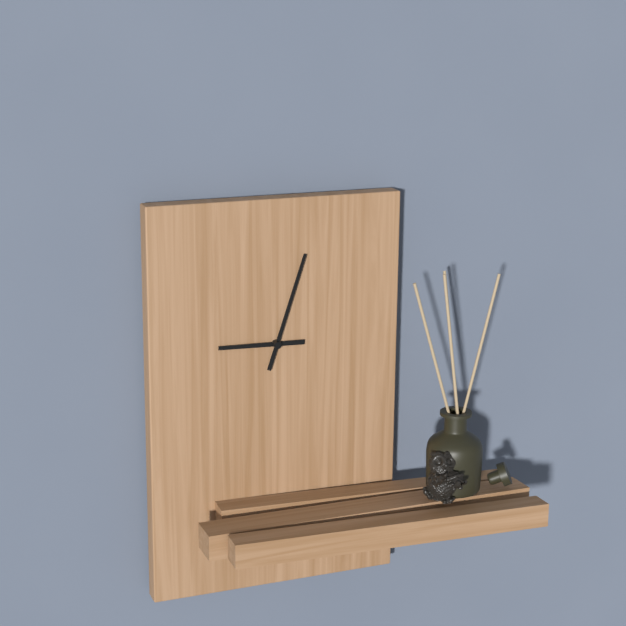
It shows 9:03
